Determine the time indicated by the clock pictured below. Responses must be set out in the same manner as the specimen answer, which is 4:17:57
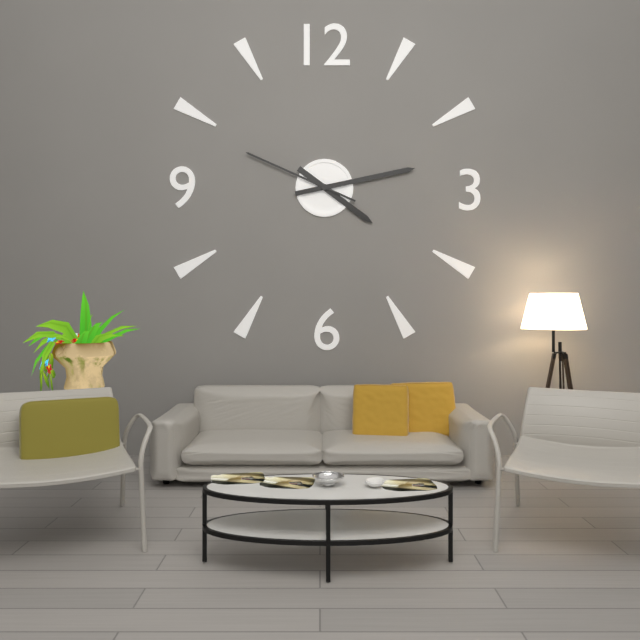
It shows 4:13:49
